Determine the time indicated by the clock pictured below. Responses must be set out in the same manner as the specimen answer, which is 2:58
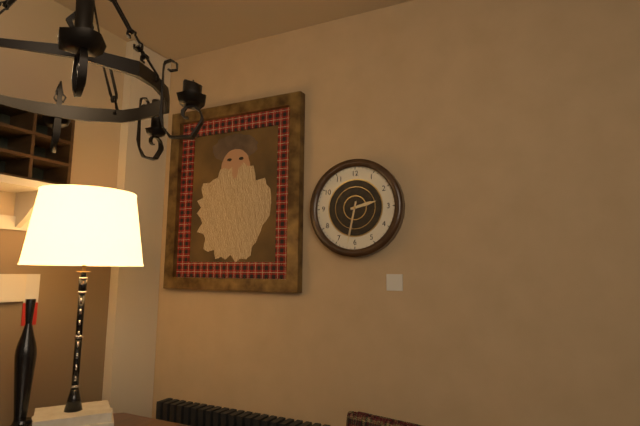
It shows 2:32
